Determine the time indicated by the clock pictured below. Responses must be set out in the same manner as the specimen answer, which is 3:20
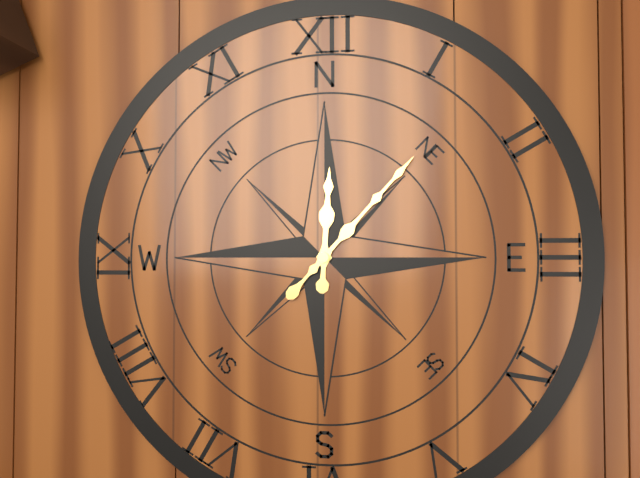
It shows 12:07
